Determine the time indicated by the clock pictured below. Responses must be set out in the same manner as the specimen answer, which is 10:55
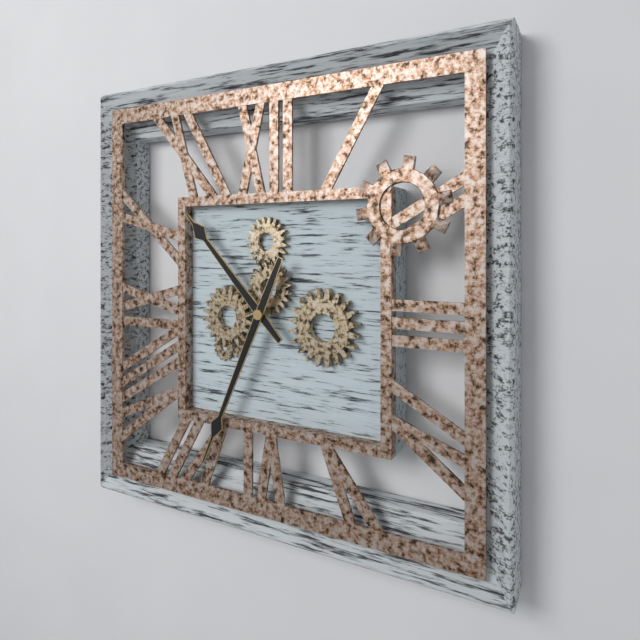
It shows 10:34
